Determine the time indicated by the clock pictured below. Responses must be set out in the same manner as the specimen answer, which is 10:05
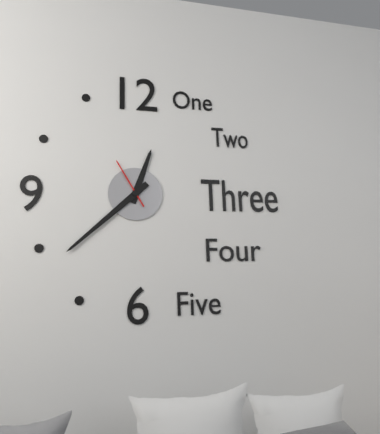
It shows 12:38
